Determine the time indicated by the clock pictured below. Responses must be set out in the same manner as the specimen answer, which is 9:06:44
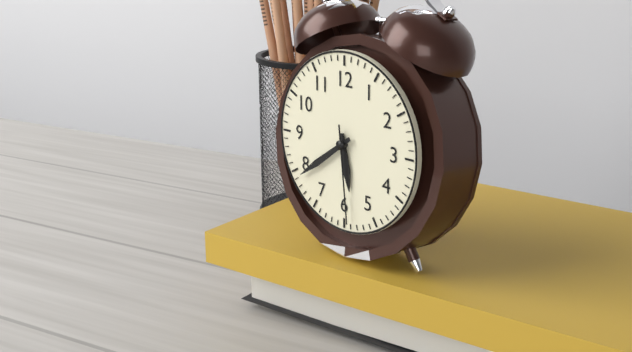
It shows 5:39:29
